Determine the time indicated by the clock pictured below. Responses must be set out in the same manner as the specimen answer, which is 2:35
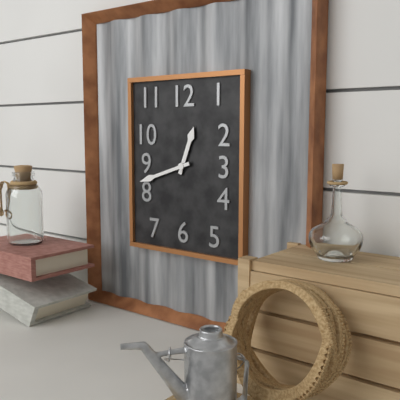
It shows 12:42
